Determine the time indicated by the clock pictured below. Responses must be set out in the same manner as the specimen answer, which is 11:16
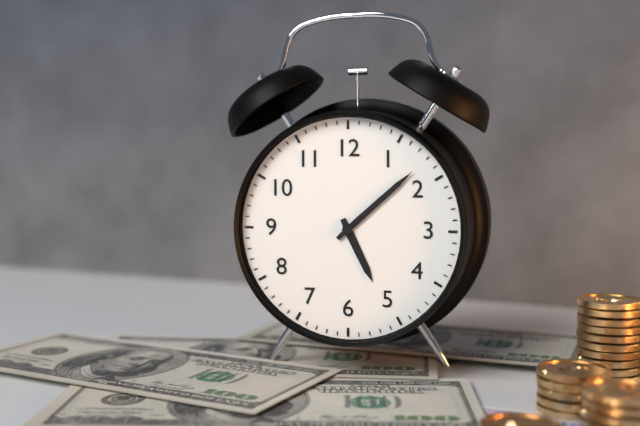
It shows 5:08
